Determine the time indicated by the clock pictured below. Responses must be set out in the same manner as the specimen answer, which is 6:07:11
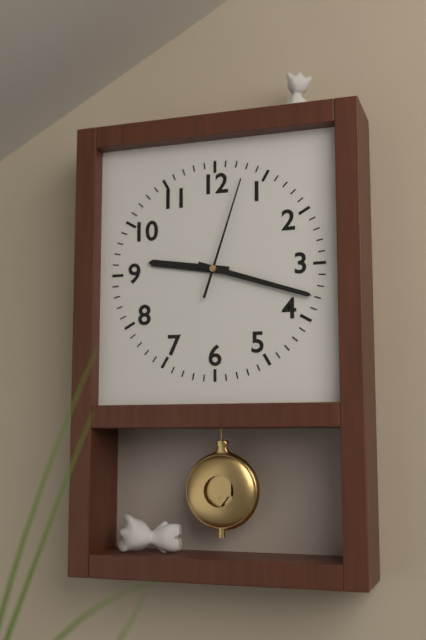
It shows 9:18:03
